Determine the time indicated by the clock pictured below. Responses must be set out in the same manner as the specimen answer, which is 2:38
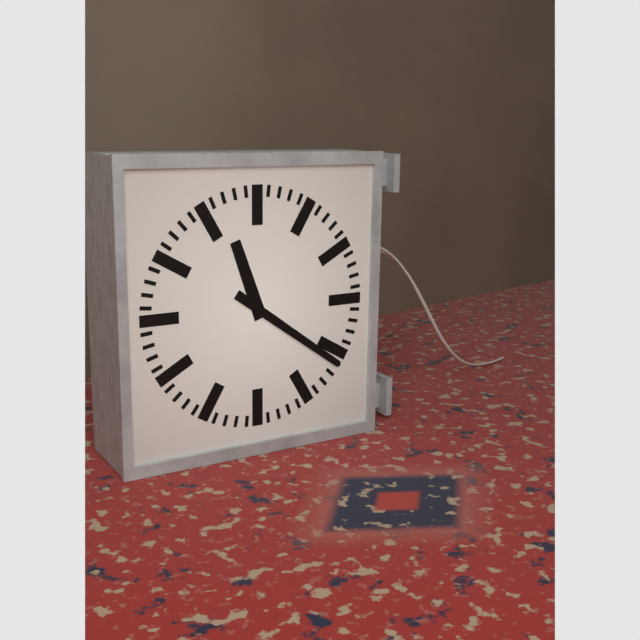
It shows 11:21
